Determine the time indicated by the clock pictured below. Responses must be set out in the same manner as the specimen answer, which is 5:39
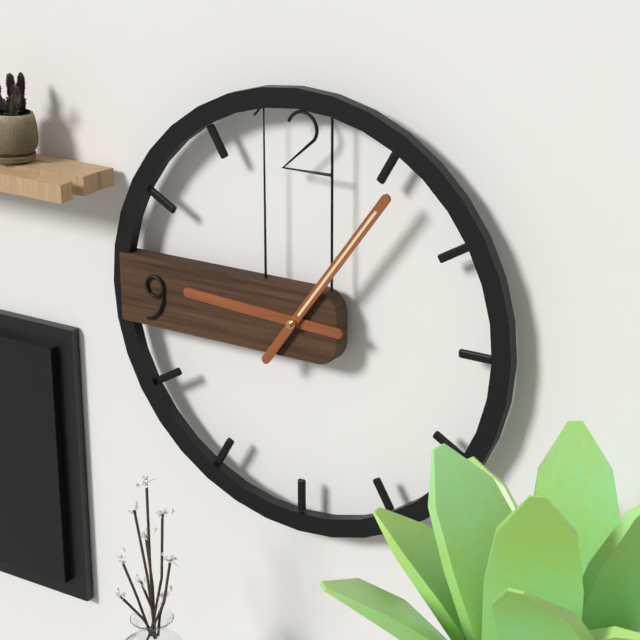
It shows 9:06
